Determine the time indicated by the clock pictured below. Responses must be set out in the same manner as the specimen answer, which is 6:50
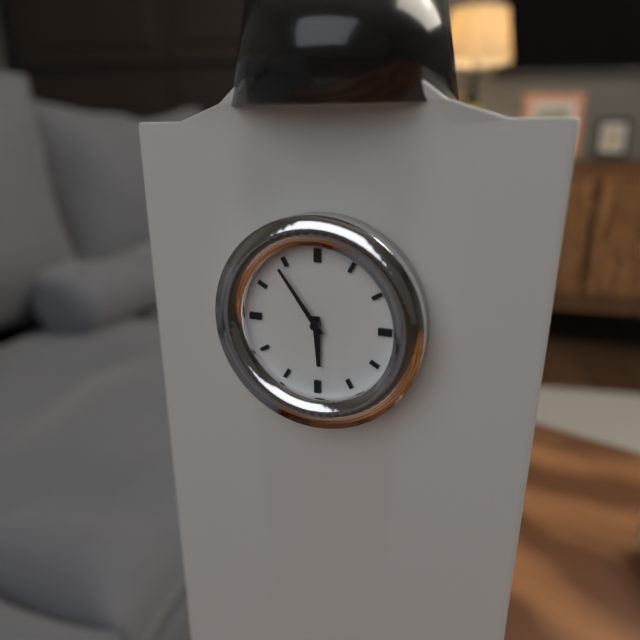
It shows 5:54
